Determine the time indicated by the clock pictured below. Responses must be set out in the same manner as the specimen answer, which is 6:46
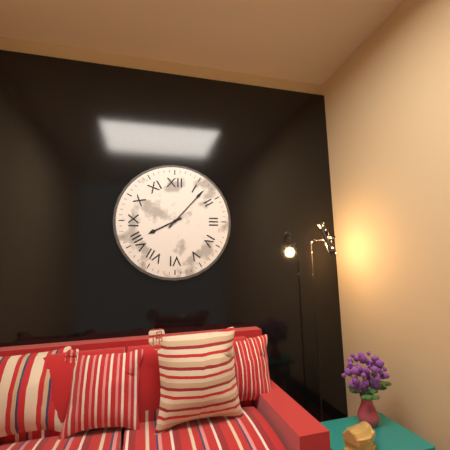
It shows 8:07
